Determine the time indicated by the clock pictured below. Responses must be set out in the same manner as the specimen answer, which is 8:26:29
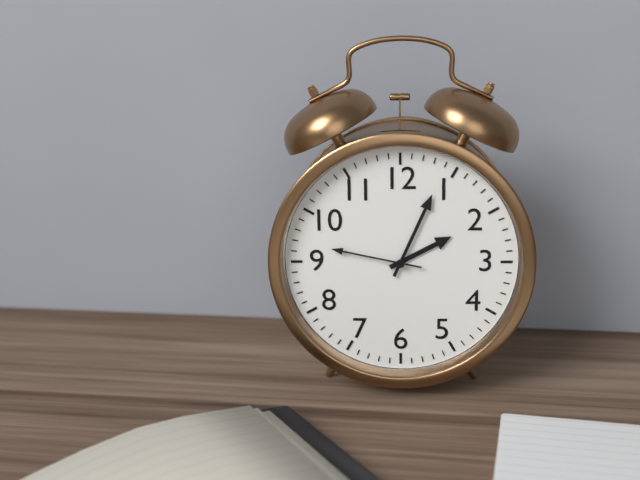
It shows 2:04:47
